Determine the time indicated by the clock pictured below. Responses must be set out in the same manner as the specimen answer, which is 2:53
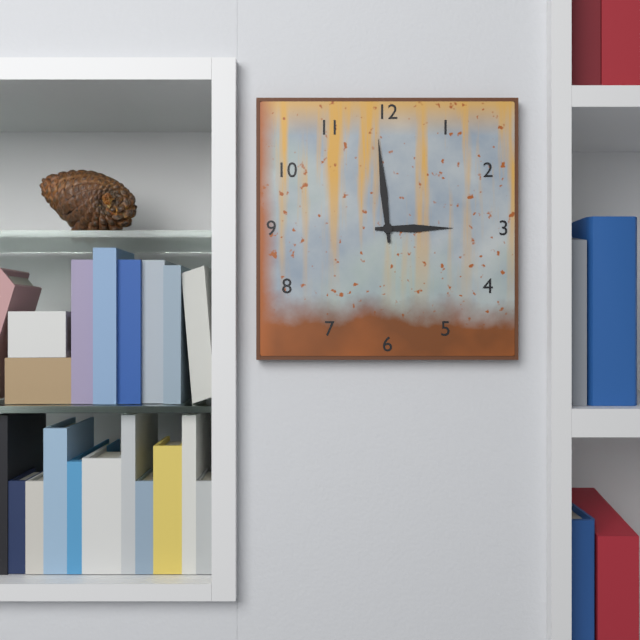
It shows 2:59
